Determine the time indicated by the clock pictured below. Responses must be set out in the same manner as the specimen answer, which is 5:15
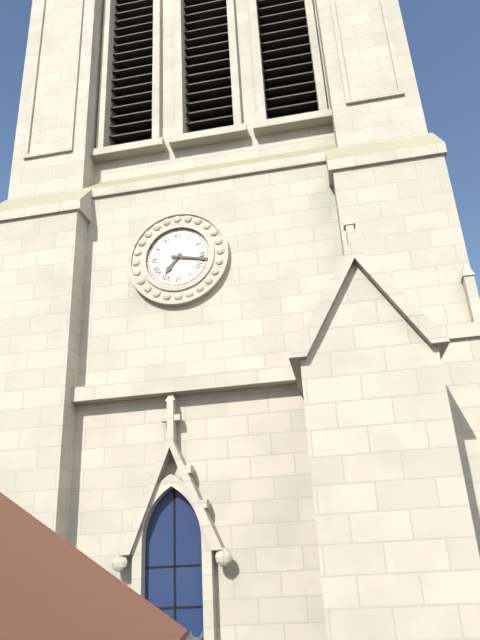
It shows 7:17
